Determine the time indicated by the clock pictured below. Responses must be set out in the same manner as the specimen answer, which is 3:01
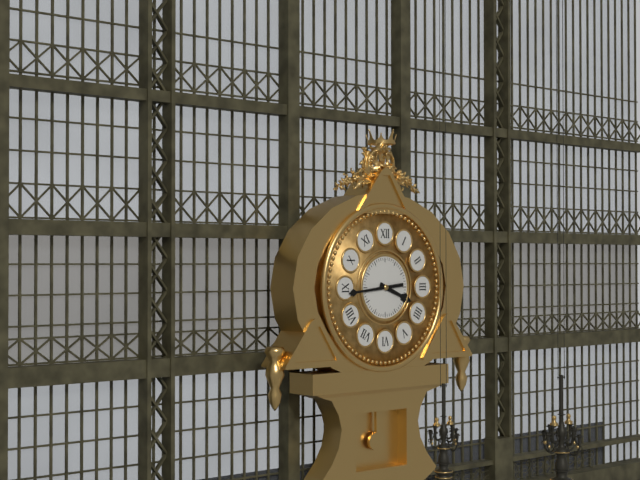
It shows 3:44
